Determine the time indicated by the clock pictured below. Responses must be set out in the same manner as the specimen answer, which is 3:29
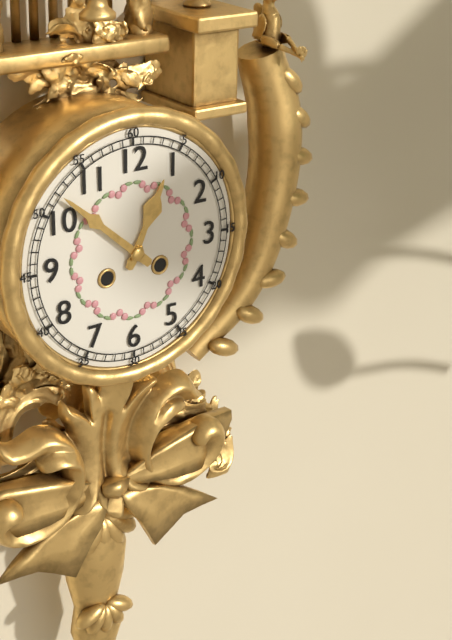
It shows 12:52
